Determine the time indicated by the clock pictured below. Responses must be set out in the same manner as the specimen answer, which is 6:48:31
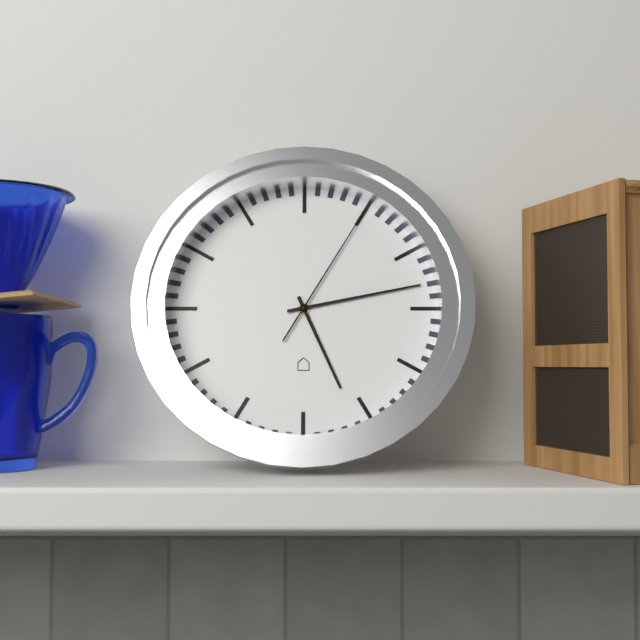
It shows 5:13:05
